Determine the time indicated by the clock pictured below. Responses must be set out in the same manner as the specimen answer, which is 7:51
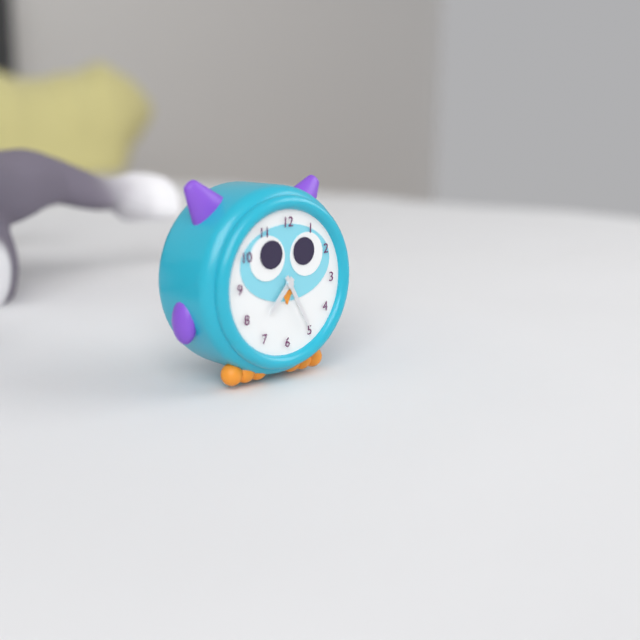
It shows 7:25
